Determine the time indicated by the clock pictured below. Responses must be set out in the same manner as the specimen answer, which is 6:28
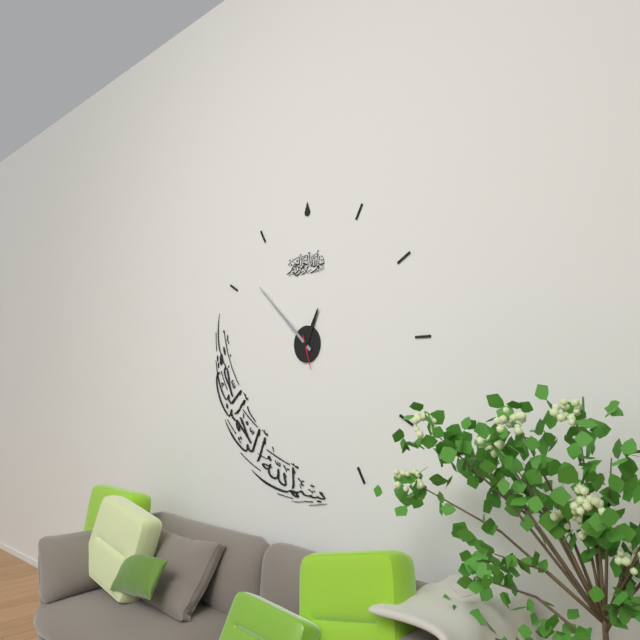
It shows 12:52
